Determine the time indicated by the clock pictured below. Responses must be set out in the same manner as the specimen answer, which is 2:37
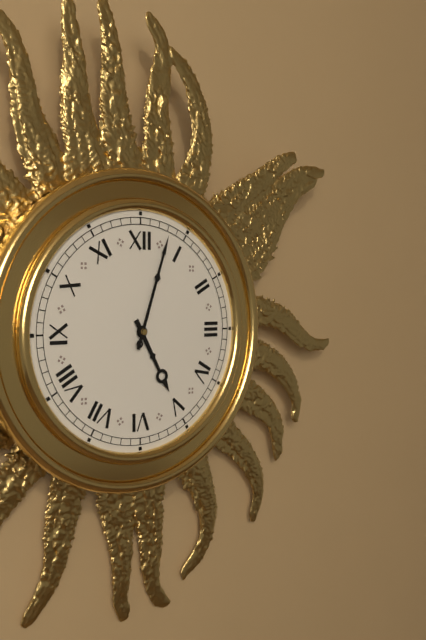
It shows 5:03
